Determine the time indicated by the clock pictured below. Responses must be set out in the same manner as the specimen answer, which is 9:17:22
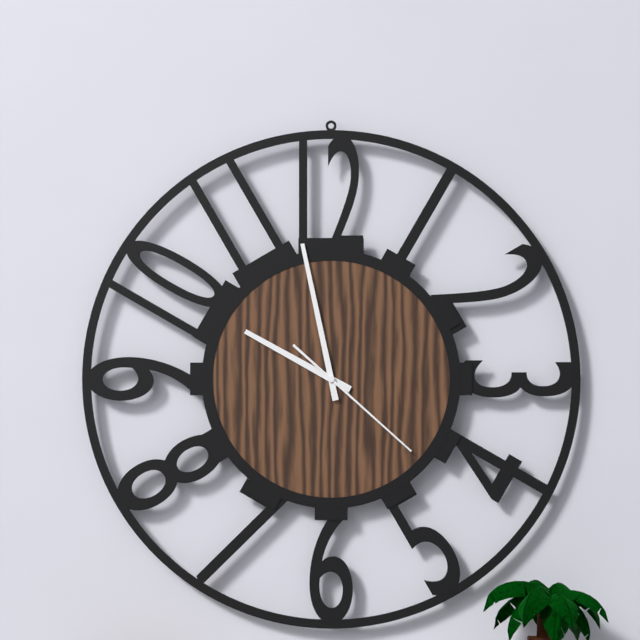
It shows 9:58:22
